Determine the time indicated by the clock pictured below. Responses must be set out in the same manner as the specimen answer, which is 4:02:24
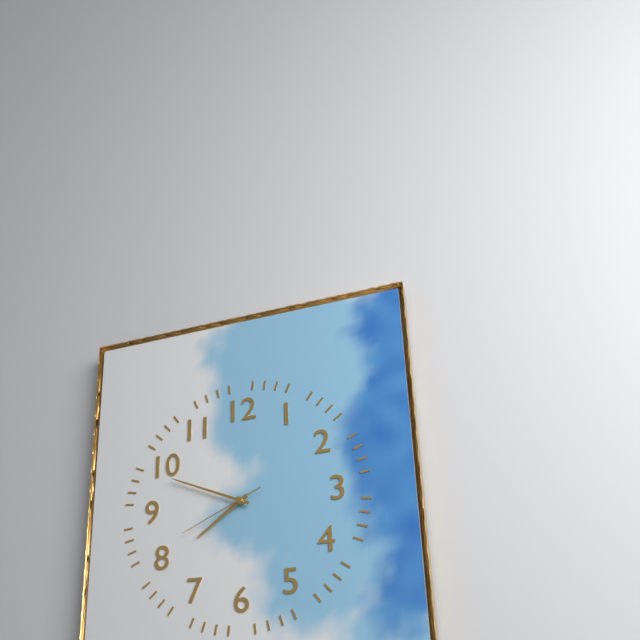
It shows 7:49:41
